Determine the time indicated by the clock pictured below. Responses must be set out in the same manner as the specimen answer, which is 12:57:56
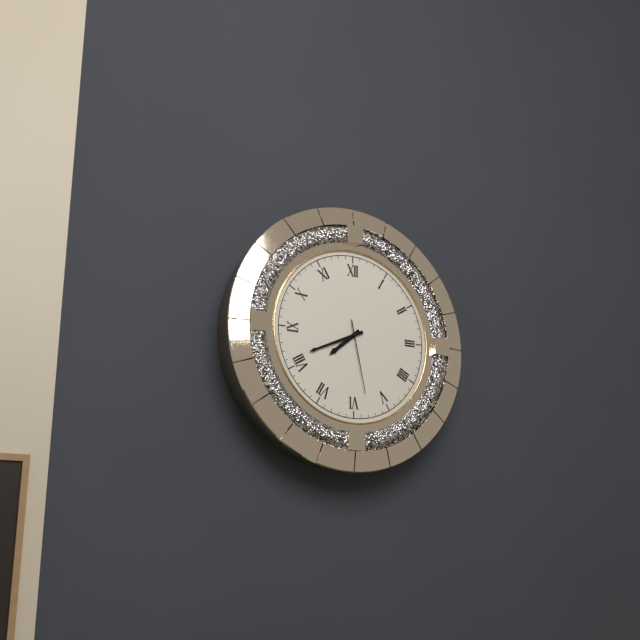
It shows 7:41:28
